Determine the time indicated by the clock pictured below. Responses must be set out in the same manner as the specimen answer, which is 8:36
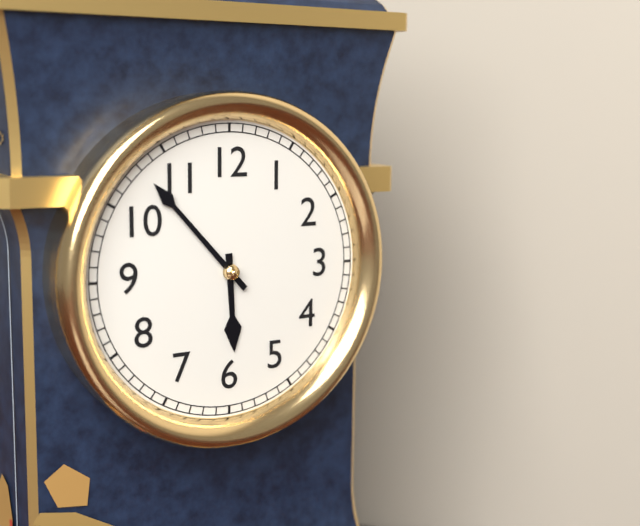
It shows 5:53
